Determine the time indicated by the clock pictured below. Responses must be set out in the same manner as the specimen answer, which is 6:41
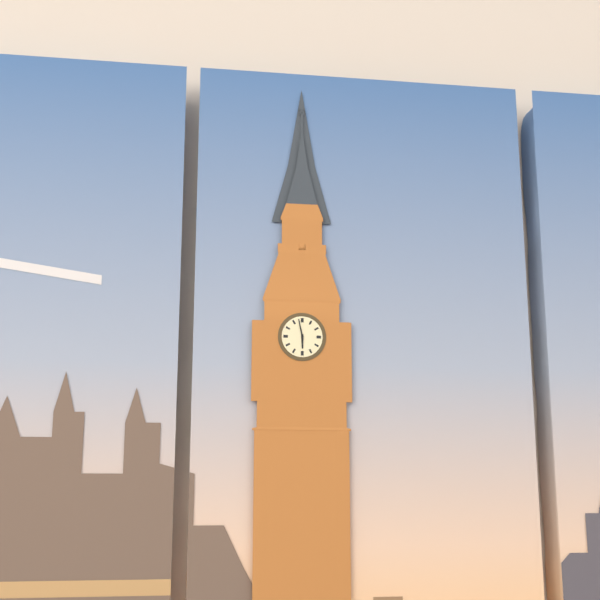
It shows 5:58
